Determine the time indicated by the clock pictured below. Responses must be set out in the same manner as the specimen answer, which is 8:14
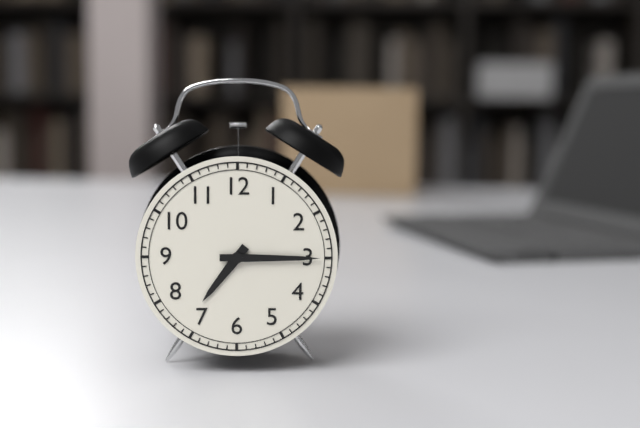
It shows 7:15
